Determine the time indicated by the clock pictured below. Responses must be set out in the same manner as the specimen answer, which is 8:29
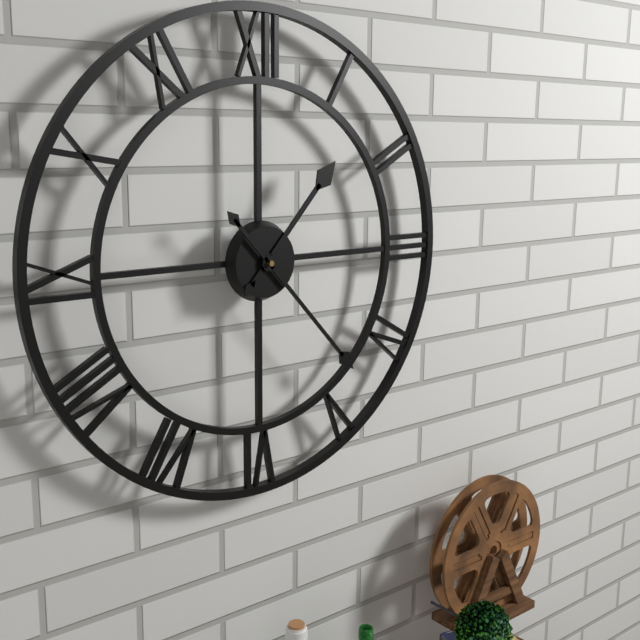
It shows 1:23
